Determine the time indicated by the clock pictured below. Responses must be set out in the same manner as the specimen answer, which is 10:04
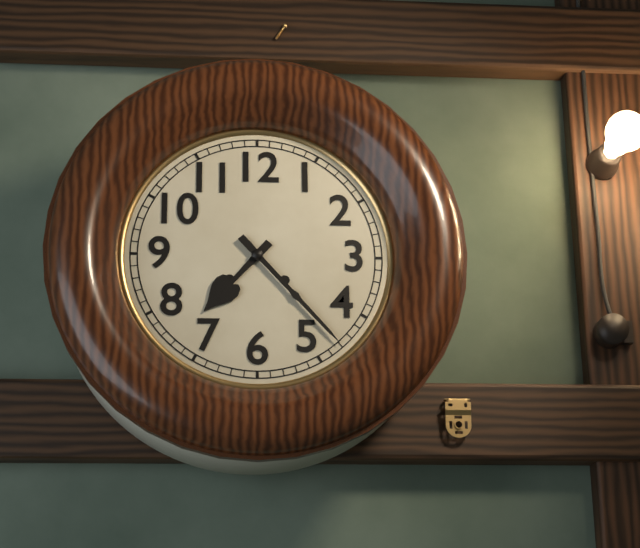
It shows 7:23
